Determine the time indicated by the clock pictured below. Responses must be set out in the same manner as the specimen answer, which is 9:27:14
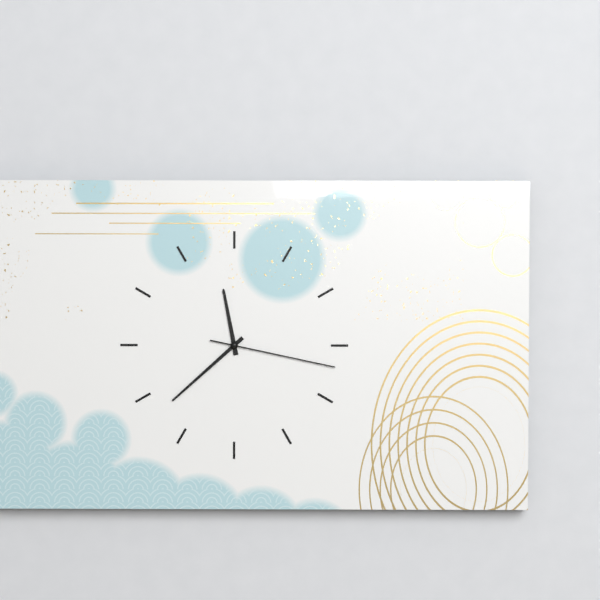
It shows 11:38:17
